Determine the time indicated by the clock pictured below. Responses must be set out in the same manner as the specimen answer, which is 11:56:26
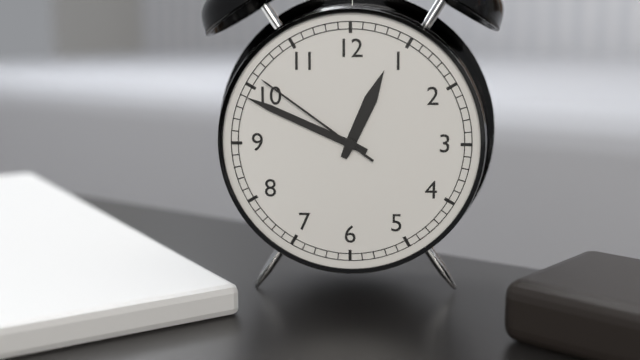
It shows 12:49:51
